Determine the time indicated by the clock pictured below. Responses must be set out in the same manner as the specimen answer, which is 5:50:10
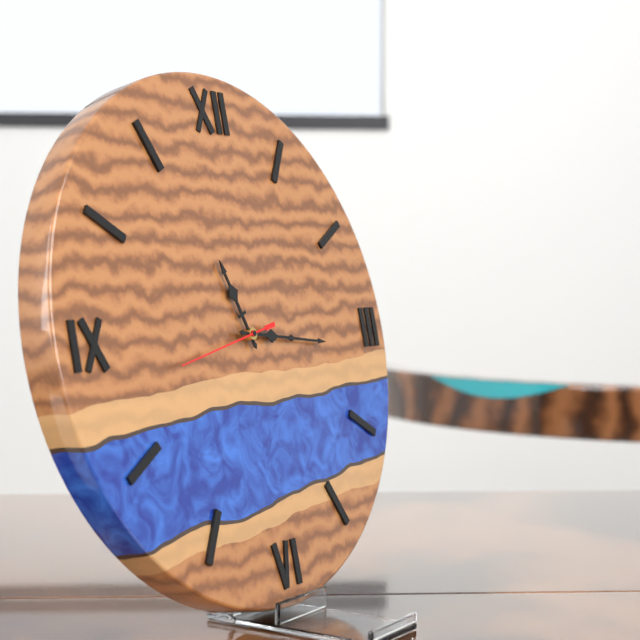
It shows 11:16:43
